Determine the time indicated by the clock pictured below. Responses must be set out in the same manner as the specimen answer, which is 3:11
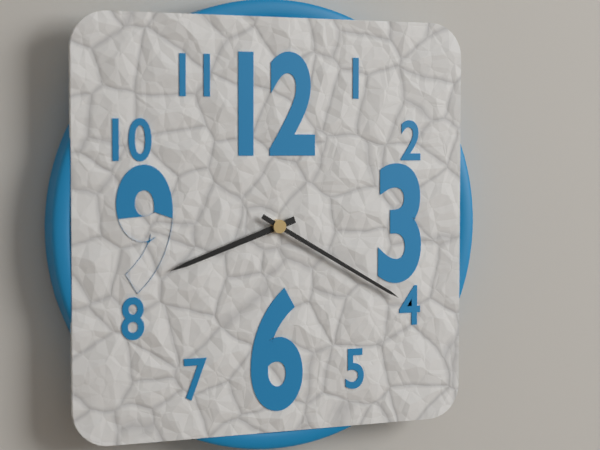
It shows 8:20
